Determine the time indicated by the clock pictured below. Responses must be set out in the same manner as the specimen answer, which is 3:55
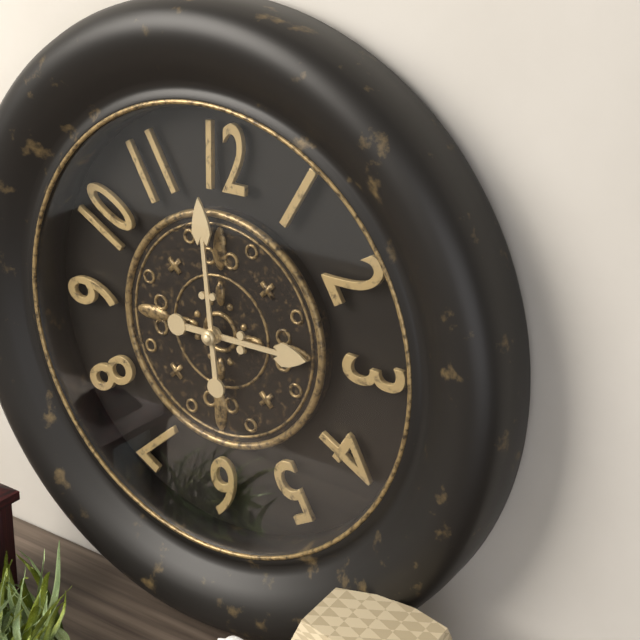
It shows 2:59
